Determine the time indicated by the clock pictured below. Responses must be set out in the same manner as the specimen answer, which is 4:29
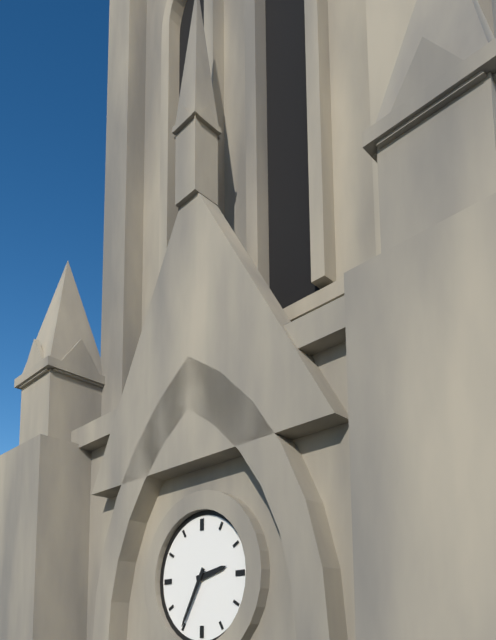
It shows 2:35
